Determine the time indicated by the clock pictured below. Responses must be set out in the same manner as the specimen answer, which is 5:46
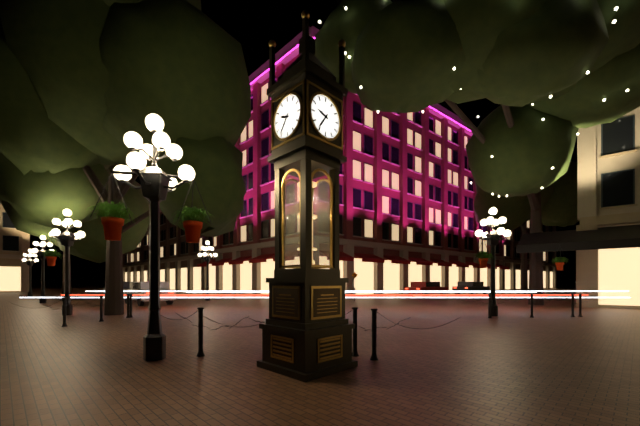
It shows 9:36
